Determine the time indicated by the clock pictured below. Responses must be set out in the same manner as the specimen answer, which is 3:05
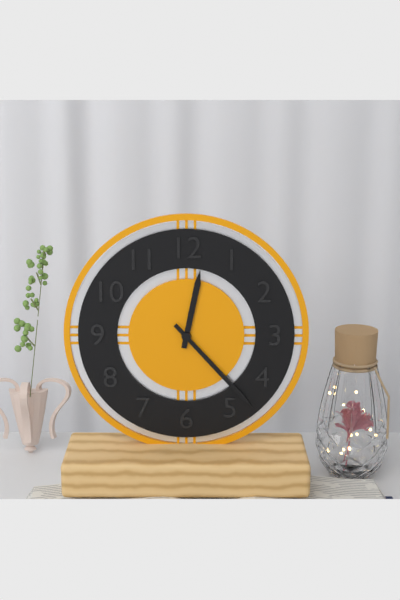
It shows 12:23
